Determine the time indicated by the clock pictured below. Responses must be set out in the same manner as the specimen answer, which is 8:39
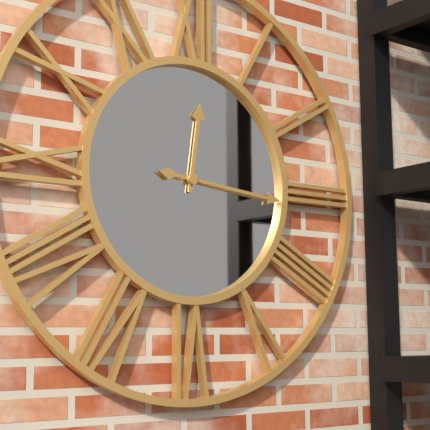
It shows 12:16
